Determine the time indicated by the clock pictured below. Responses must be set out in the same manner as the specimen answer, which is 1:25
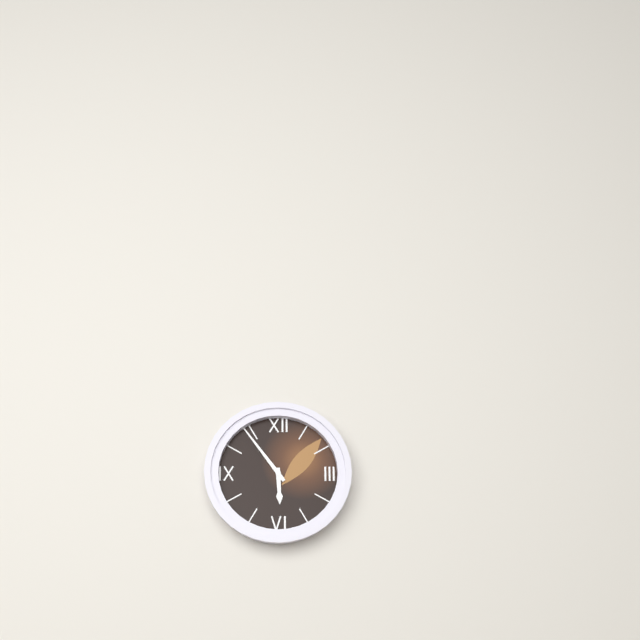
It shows 5:54
